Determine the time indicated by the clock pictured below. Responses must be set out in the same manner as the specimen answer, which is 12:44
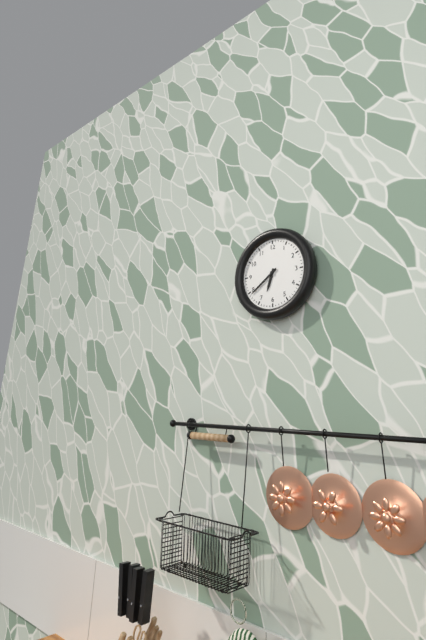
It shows 6:39
